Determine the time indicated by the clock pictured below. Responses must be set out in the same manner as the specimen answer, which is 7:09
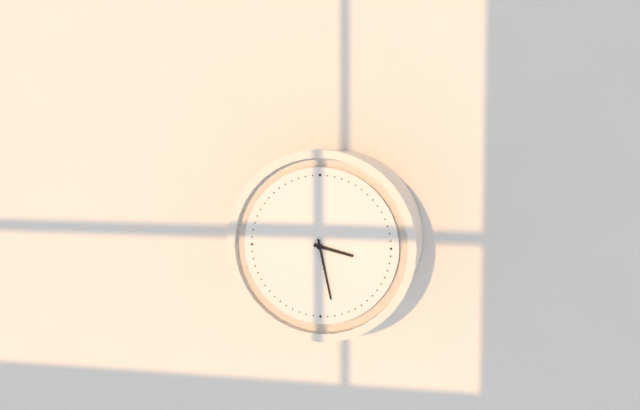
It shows 3:28
